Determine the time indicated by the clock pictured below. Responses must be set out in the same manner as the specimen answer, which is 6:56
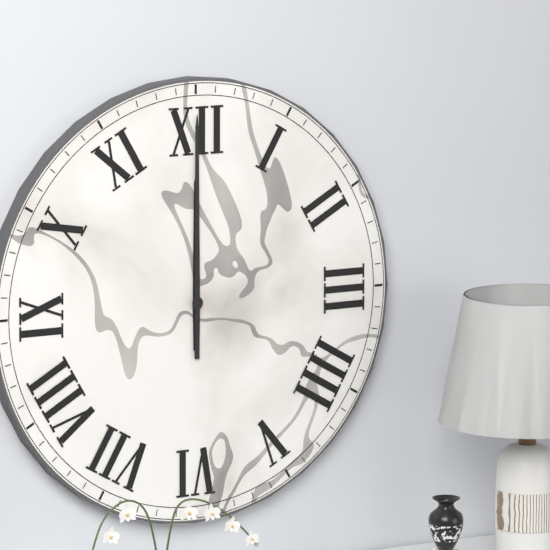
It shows 12:00
